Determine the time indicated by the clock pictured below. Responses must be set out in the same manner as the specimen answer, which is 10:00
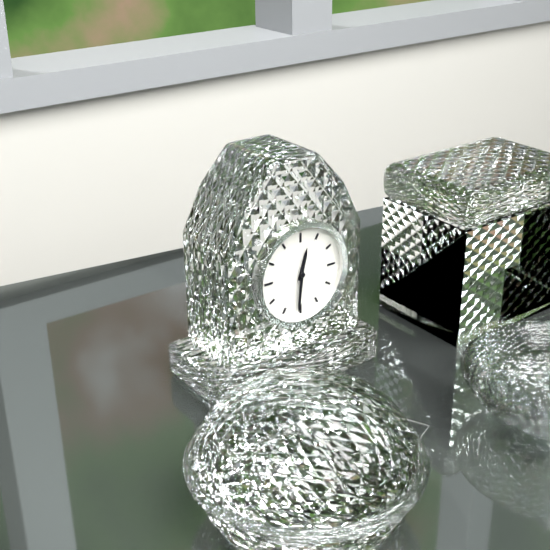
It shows 12:31
